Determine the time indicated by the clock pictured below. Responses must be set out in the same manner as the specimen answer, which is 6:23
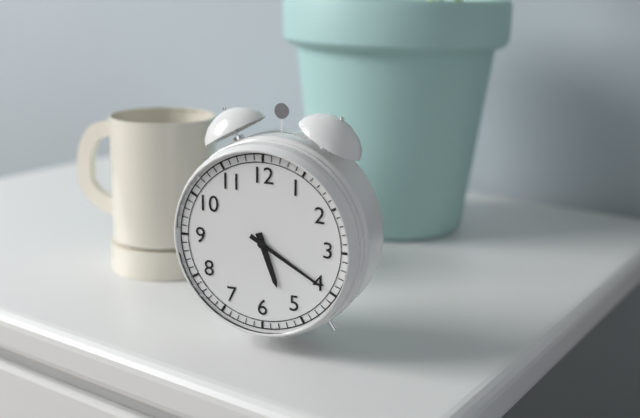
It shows 5:20
